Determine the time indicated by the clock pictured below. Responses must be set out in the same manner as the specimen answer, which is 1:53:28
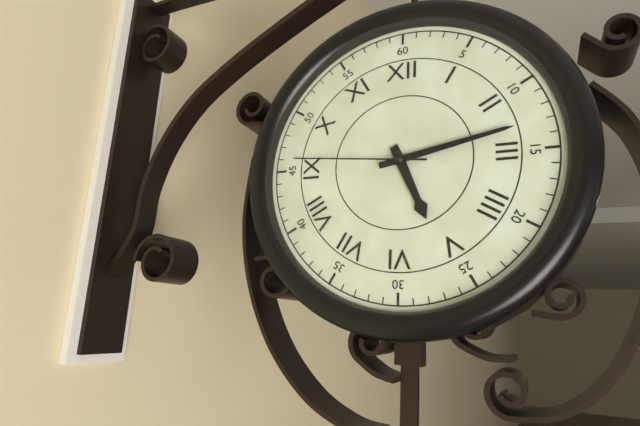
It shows 5:13:46
